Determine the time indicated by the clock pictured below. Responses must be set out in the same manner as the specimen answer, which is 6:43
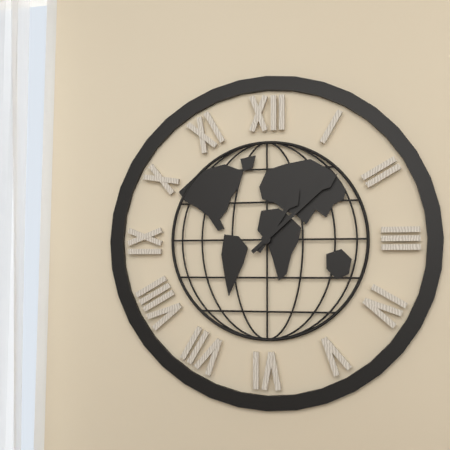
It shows 1:08
